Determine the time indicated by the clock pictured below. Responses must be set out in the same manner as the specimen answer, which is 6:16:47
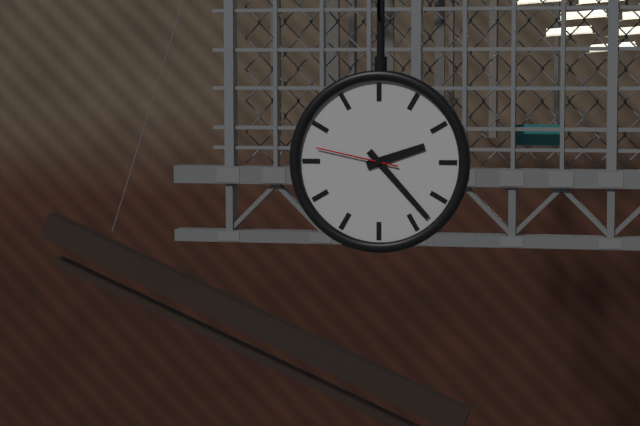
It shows 2:23:47
